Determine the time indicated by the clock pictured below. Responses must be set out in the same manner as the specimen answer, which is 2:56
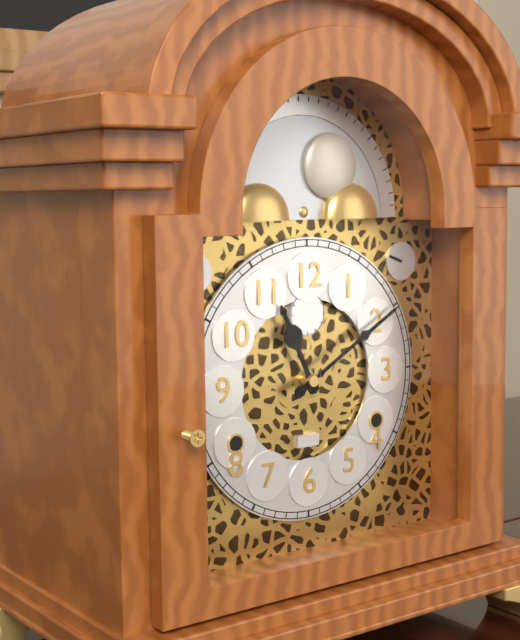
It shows 11:10
